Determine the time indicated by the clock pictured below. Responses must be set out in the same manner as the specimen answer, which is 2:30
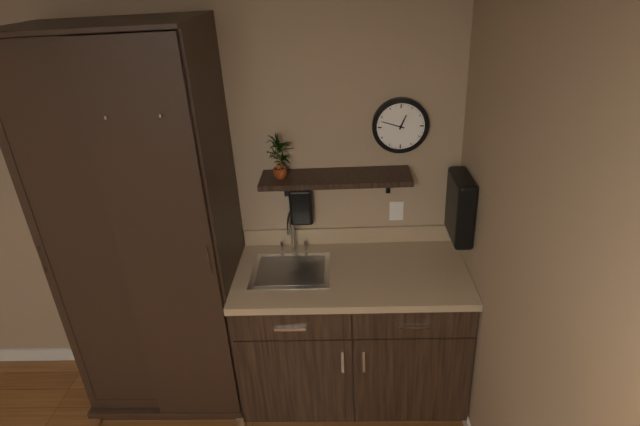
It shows 12:48
